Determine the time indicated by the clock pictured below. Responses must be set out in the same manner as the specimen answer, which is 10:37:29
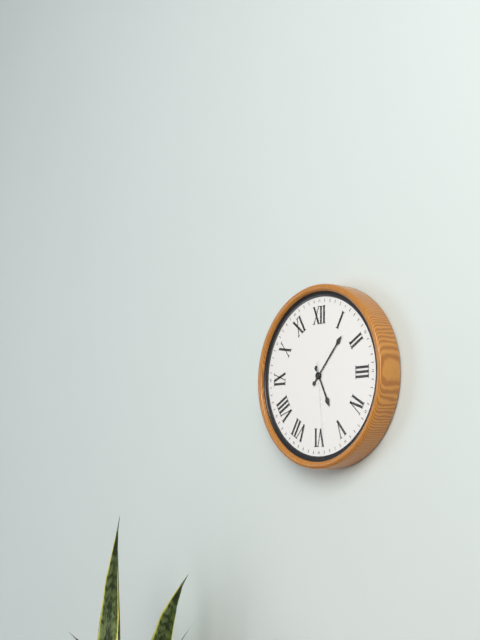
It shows 5:07:29
